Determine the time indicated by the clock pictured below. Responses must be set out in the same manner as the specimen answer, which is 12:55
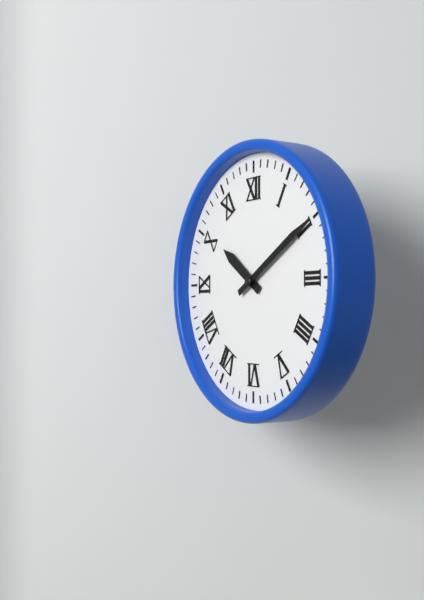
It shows 10:10
